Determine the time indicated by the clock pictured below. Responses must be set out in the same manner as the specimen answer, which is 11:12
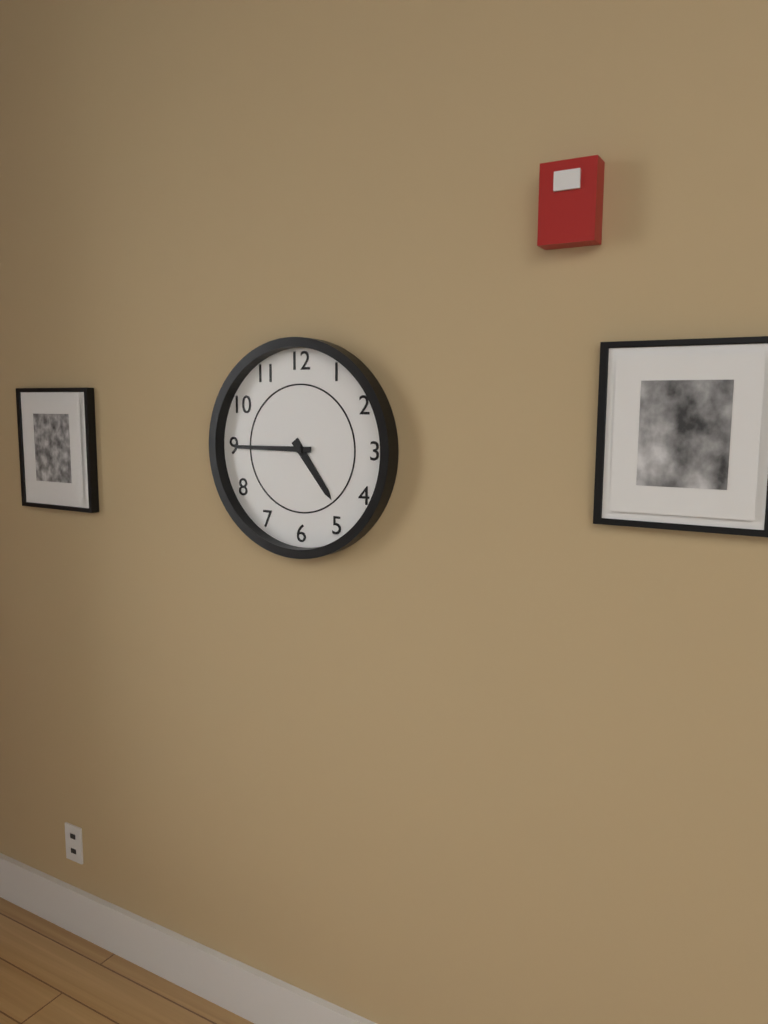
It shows 4:45
